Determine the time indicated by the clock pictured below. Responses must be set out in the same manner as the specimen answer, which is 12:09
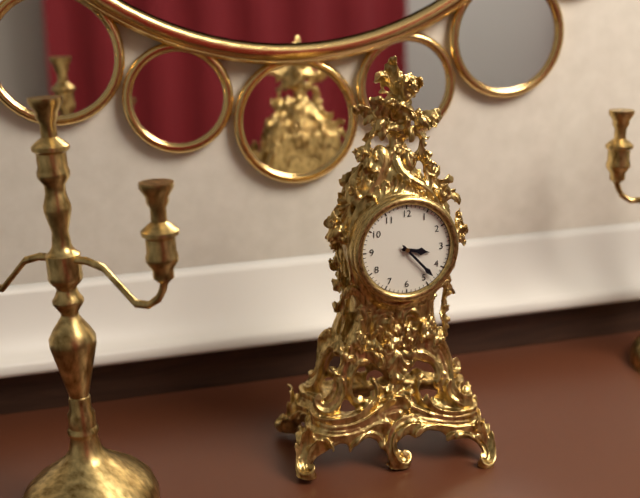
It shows 3:23
